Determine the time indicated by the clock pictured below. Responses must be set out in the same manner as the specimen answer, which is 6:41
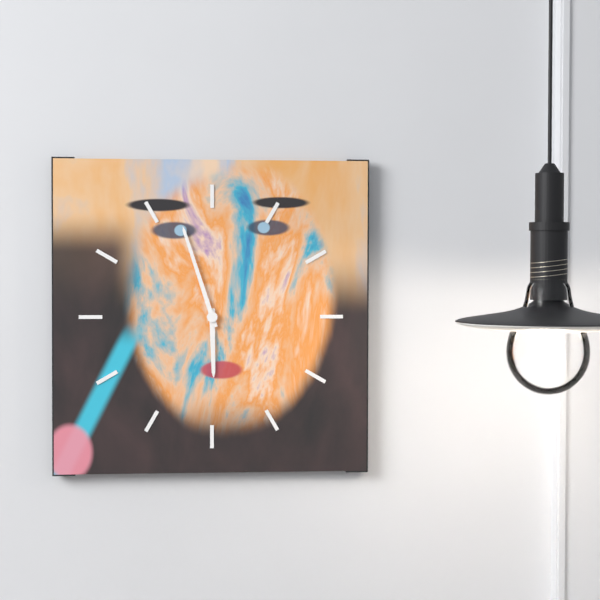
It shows 5:57
